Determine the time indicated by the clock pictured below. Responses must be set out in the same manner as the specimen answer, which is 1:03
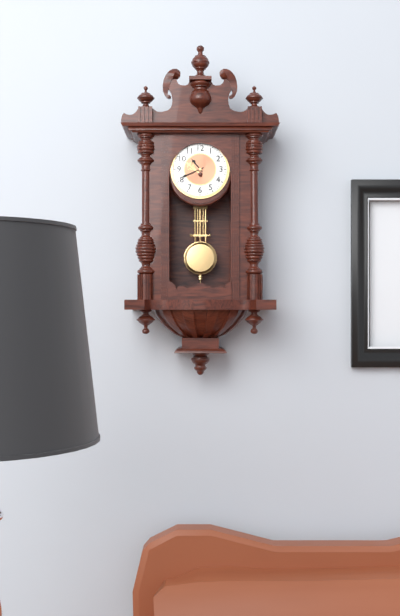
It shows 10:41
